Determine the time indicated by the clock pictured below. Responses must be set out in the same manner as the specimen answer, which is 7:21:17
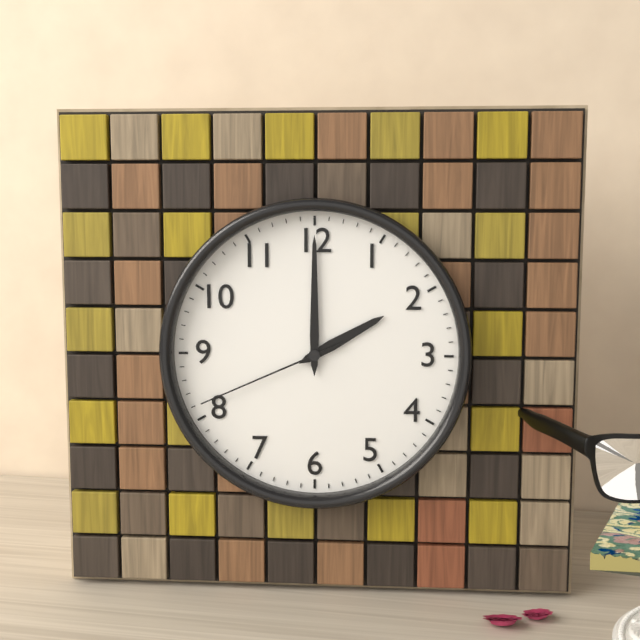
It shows 2:00:41
